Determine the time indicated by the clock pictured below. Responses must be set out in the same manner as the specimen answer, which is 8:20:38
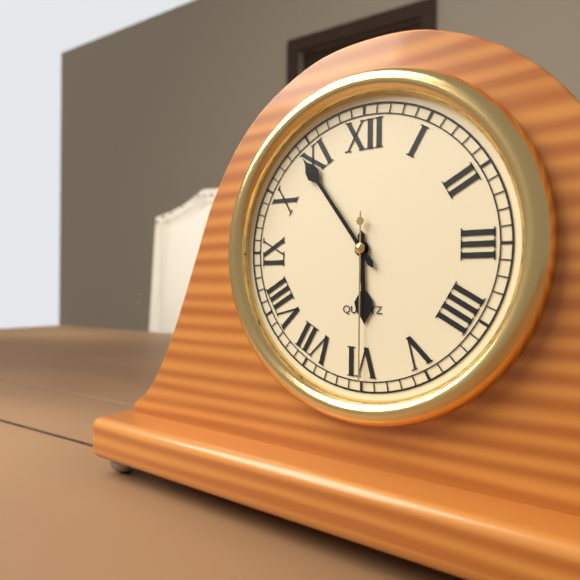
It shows 5:54:30
